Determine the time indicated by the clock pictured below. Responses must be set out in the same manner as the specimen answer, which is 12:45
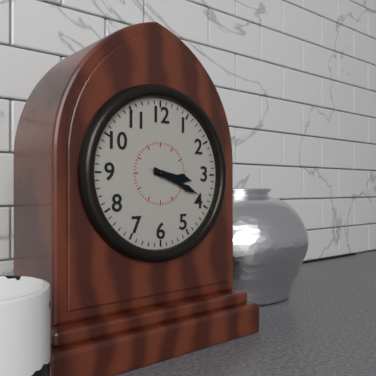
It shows 3:19
